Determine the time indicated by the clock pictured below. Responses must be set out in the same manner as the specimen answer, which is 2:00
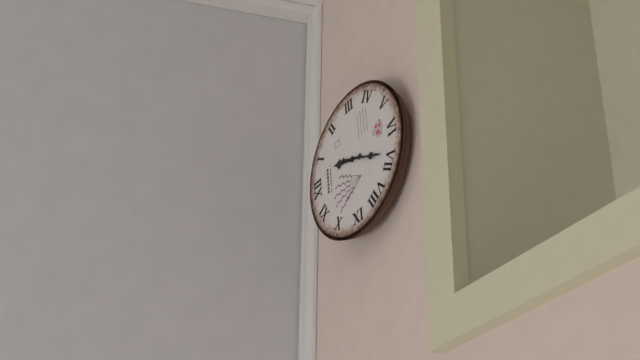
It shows 12:34
